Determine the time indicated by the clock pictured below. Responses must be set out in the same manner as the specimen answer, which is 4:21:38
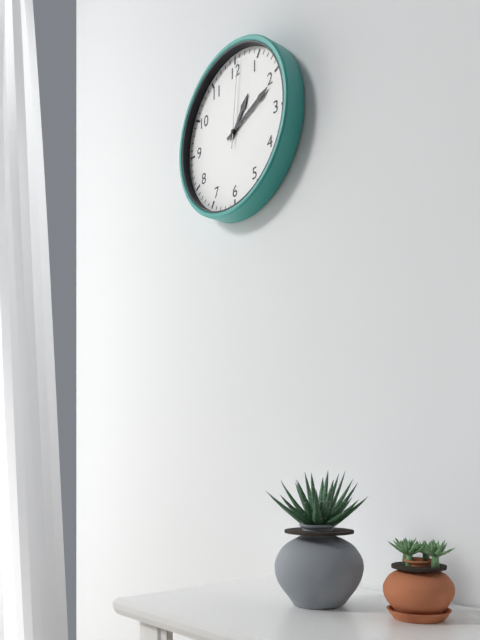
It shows 1:11:01
